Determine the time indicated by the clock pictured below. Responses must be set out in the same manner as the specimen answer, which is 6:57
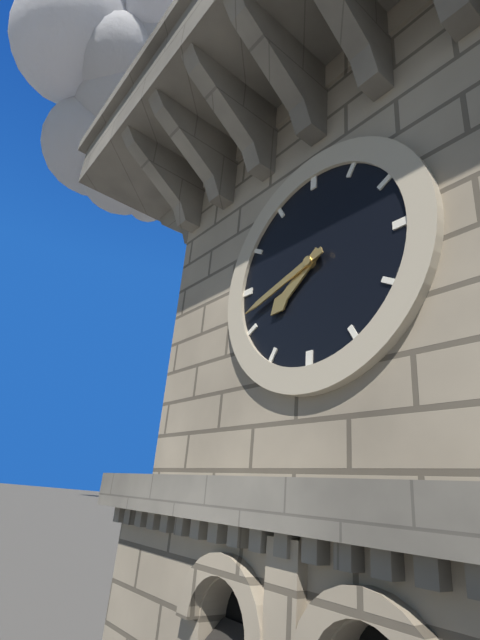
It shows 7:42
